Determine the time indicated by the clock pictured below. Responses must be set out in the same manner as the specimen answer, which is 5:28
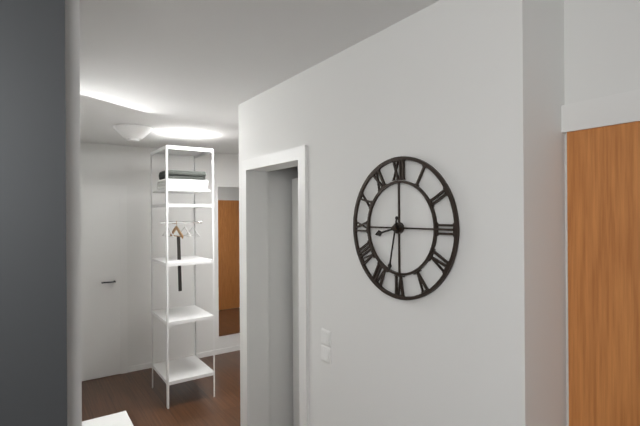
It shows 8:32
